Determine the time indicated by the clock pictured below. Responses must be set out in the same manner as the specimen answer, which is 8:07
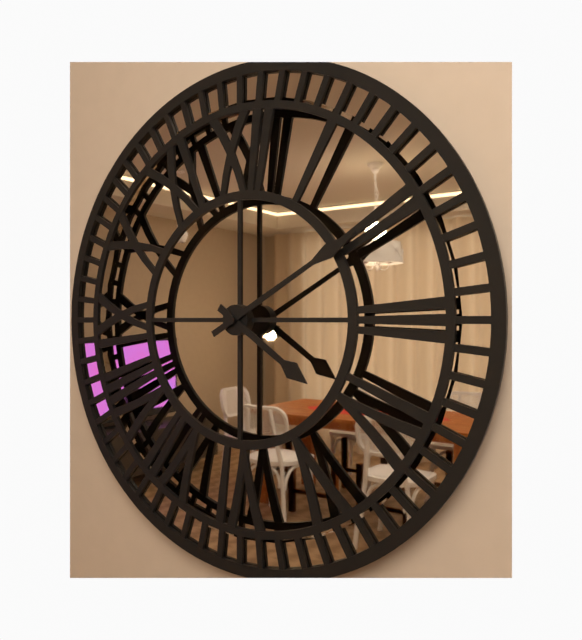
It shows 4:10
